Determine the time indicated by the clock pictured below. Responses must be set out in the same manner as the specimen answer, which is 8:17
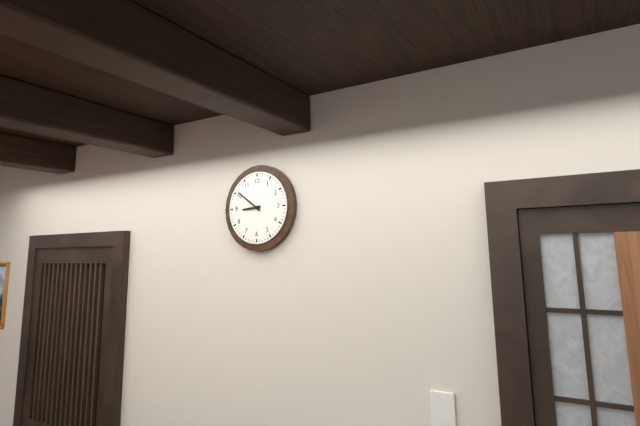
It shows 8:51
